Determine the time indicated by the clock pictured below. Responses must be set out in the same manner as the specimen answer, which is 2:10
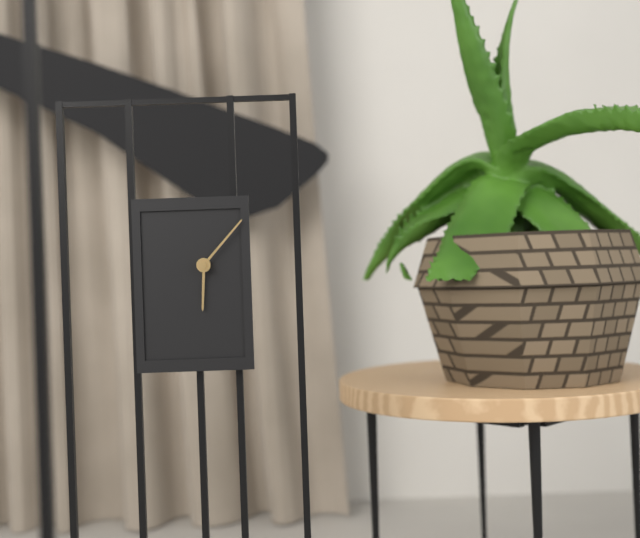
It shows 6:07
